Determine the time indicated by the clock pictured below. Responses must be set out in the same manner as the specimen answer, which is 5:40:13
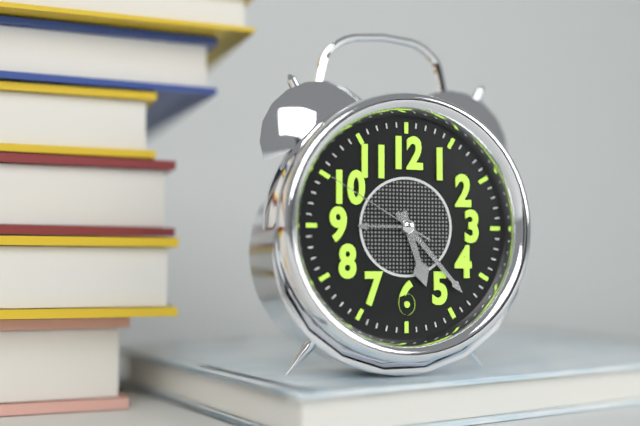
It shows 5:23:50
